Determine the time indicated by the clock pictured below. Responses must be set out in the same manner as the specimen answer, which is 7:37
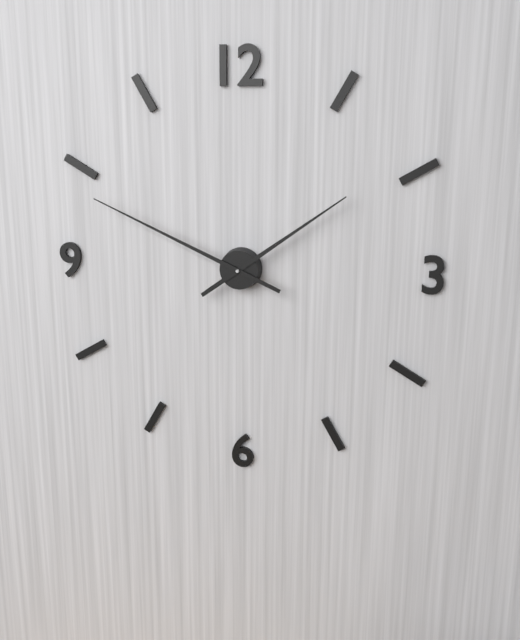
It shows 1:49
